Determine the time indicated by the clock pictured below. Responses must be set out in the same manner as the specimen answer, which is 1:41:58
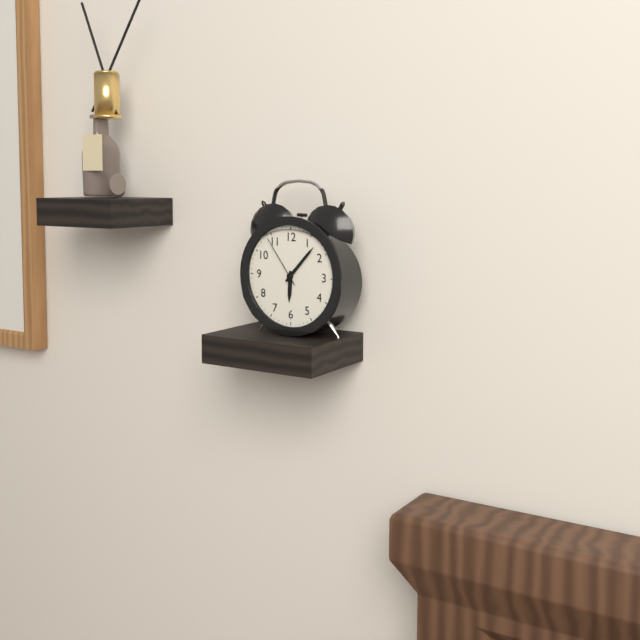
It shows 6:07:54
